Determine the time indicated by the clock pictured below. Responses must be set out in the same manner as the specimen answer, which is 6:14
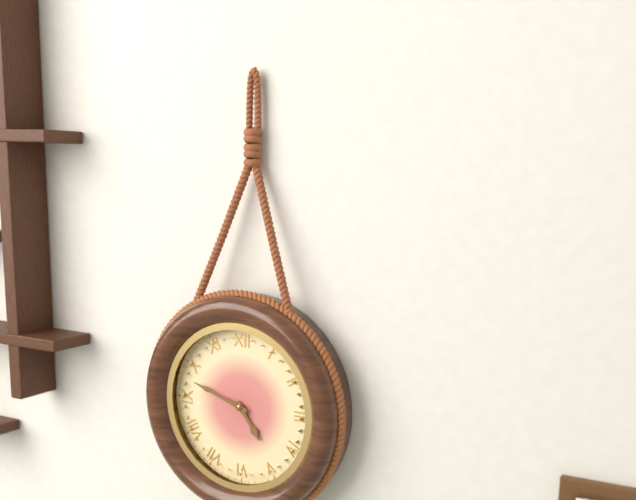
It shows 4:48
